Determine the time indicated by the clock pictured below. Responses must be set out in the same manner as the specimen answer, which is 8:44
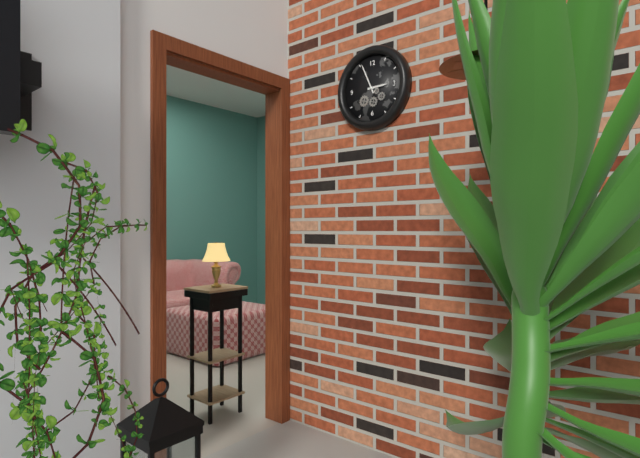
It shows 2:56
